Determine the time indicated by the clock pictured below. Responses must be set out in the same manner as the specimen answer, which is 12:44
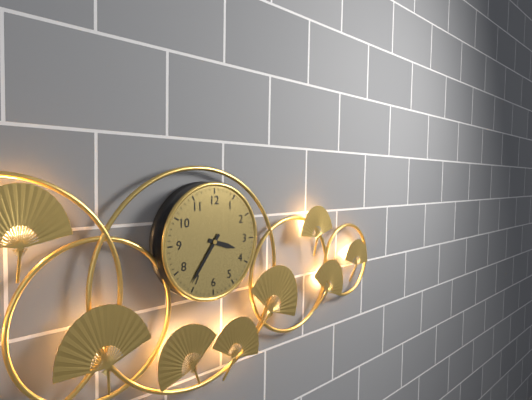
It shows 3:36
